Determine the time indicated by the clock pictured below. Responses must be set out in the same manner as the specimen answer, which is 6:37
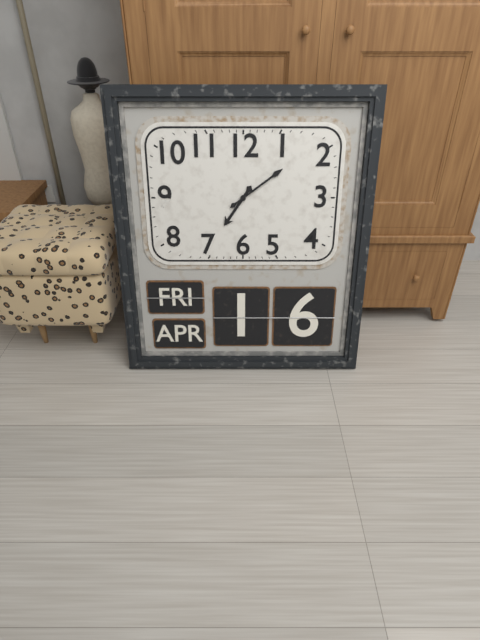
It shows 7:09
